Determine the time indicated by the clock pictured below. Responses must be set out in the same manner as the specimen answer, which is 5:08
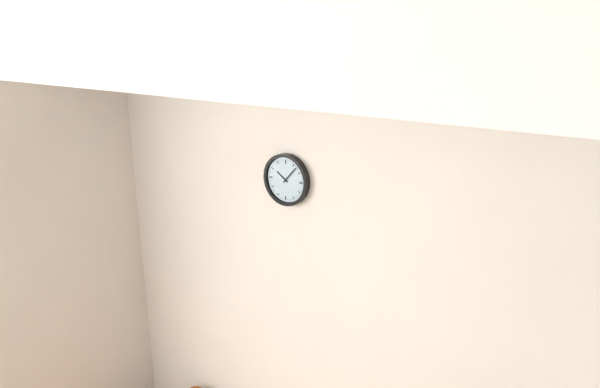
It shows 10:07
